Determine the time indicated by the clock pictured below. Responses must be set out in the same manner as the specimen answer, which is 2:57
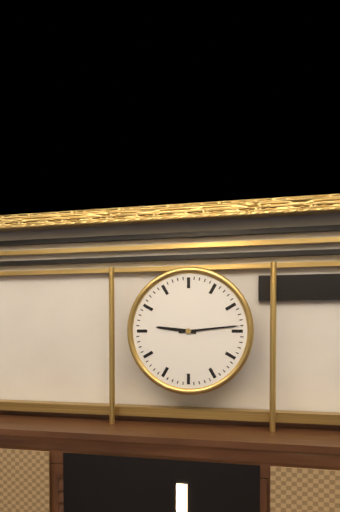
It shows 9:14
